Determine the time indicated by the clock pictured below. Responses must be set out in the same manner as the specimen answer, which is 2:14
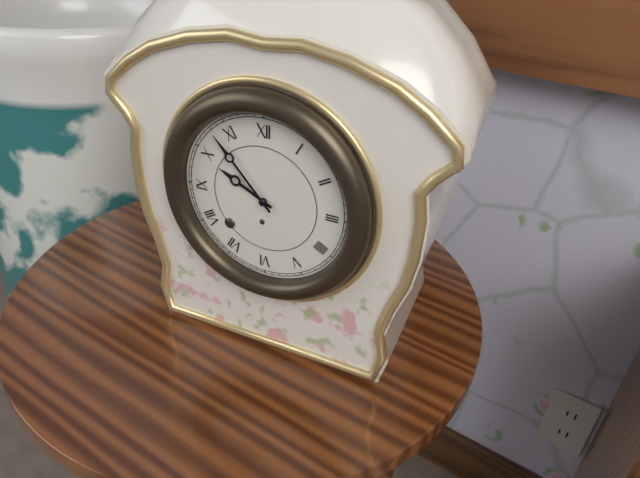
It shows 9:53
